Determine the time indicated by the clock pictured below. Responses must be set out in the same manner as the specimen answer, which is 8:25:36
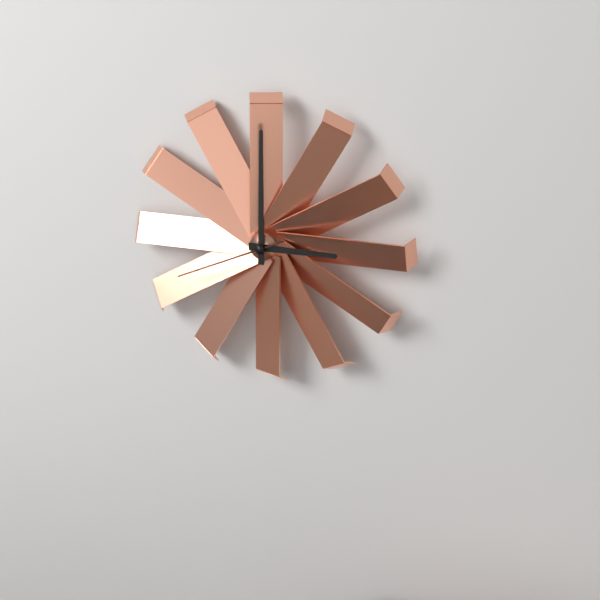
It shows 3:00:41
